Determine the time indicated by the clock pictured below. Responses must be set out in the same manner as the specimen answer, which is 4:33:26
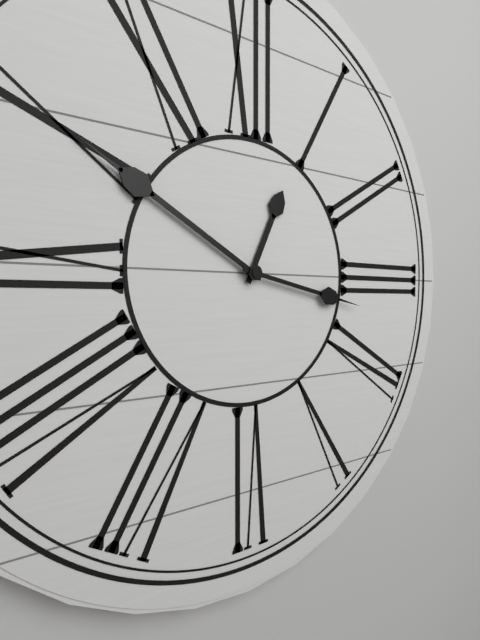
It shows 12:50:17
